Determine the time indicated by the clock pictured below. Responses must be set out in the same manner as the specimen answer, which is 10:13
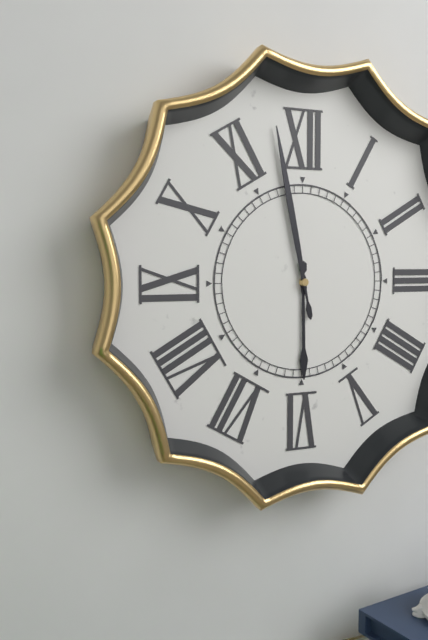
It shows 5:58
